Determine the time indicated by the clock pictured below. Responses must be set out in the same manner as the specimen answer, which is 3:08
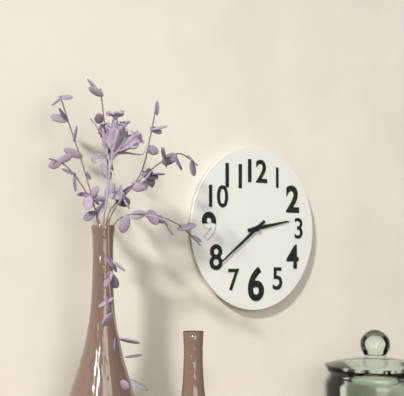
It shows 2:39
